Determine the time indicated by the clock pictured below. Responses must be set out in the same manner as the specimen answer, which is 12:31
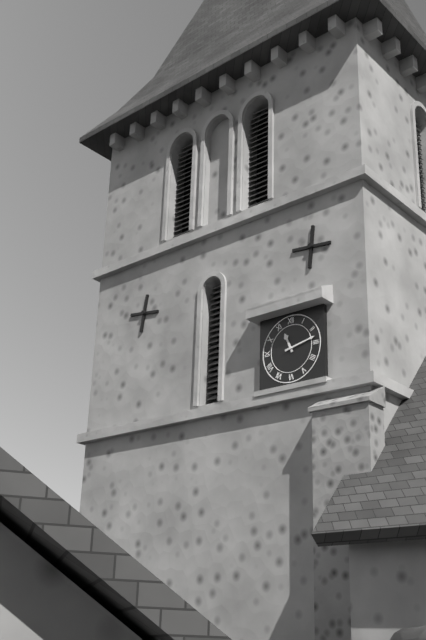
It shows 11:13
